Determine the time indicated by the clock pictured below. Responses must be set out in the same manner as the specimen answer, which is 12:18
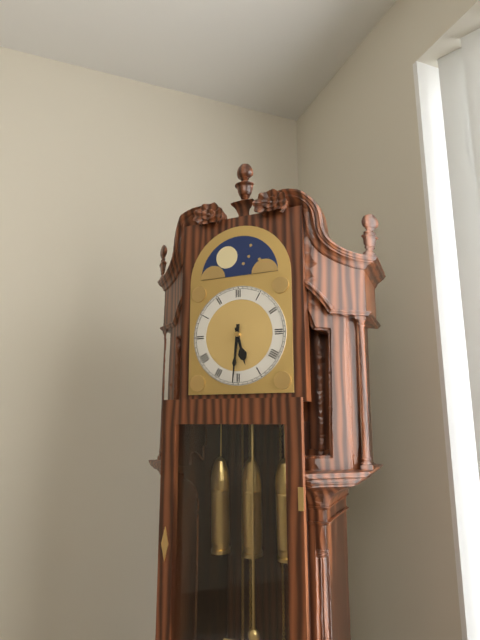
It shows 5:31
